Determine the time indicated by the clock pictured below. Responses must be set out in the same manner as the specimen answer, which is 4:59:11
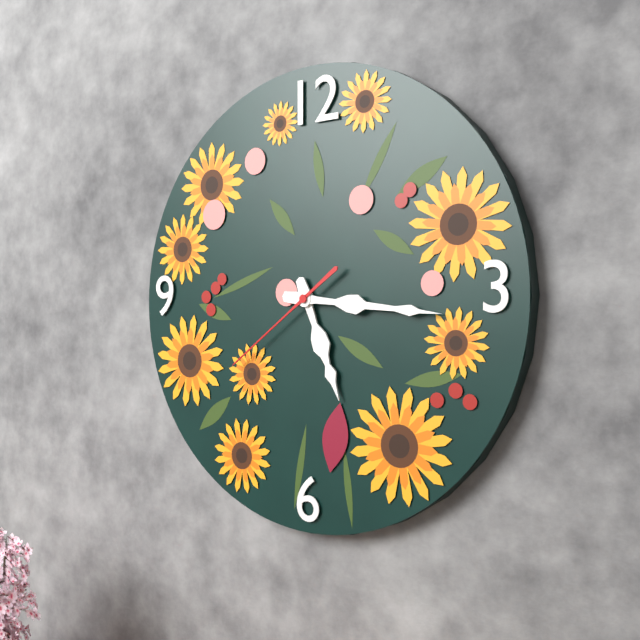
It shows 5:16:39
